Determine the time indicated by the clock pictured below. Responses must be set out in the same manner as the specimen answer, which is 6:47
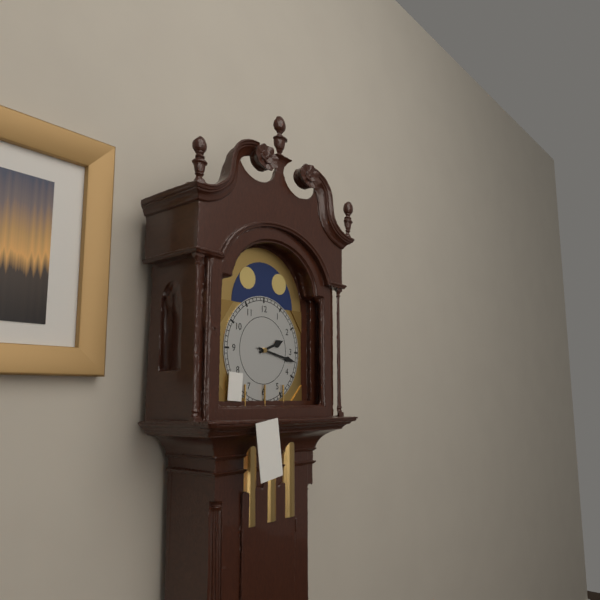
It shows 2:17
